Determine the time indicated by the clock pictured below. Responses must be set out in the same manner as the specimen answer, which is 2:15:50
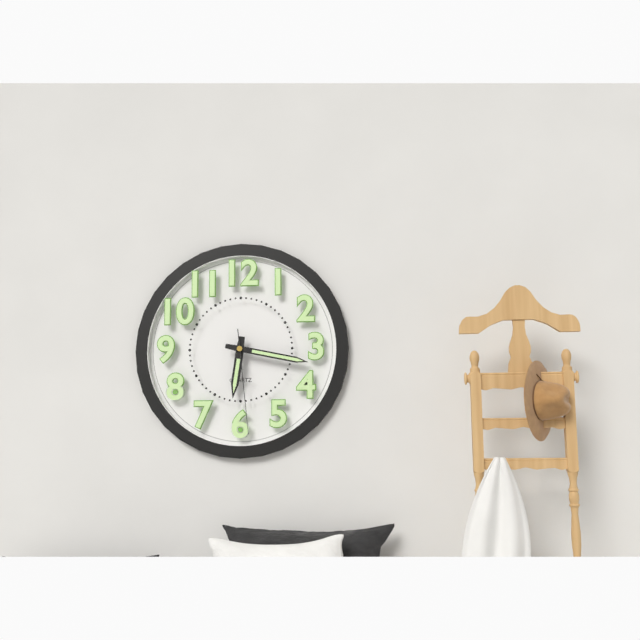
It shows 6:17:29
